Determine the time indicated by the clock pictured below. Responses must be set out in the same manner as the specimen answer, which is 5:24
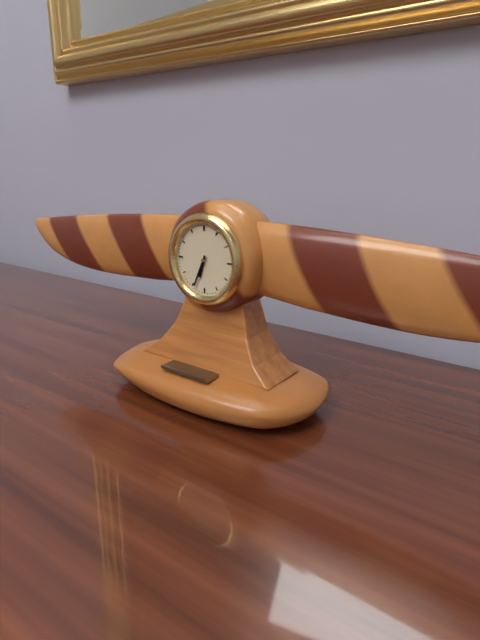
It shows 6:34
